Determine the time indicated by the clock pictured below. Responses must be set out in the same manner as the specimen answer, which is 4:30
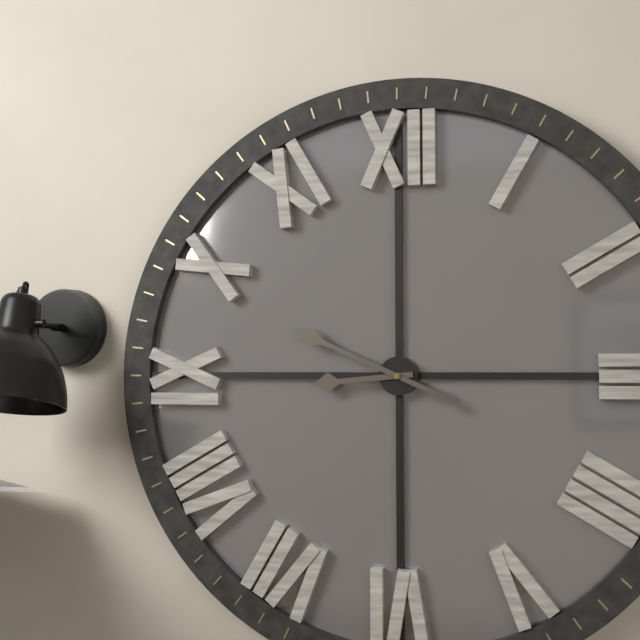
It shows 8:49
